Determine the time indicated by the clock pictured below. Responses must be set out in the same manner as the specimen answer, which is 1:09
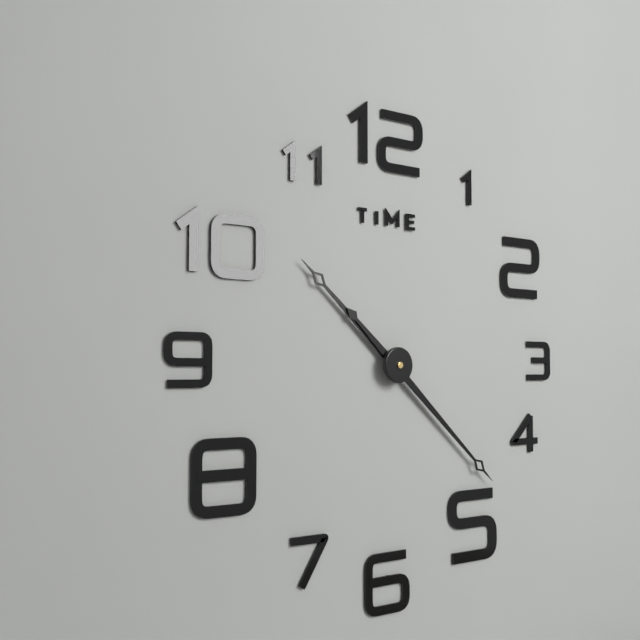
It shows 10:22
